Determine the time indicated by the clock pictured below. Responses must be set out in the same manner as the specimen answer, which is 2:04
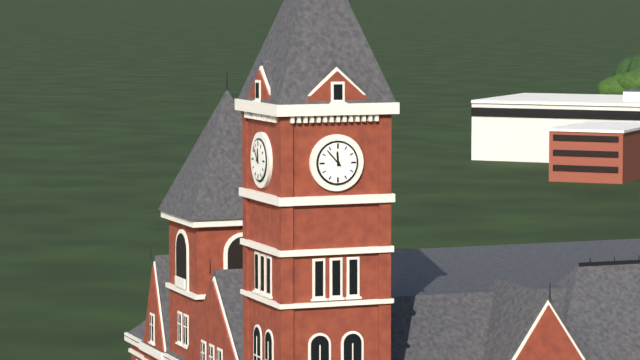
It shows 11:53
